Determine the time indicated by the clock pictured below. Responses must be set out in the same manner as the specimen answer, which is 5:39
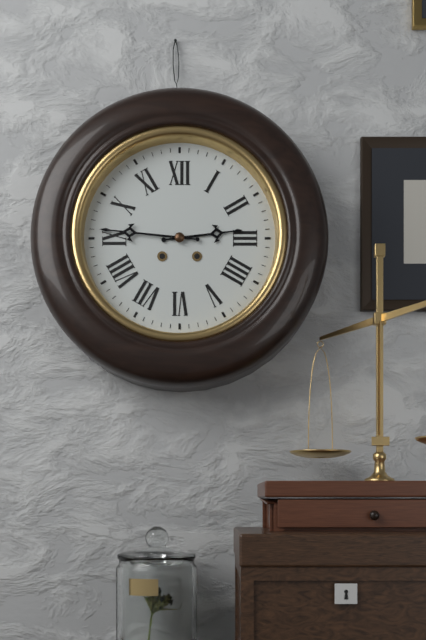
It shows 2:46
